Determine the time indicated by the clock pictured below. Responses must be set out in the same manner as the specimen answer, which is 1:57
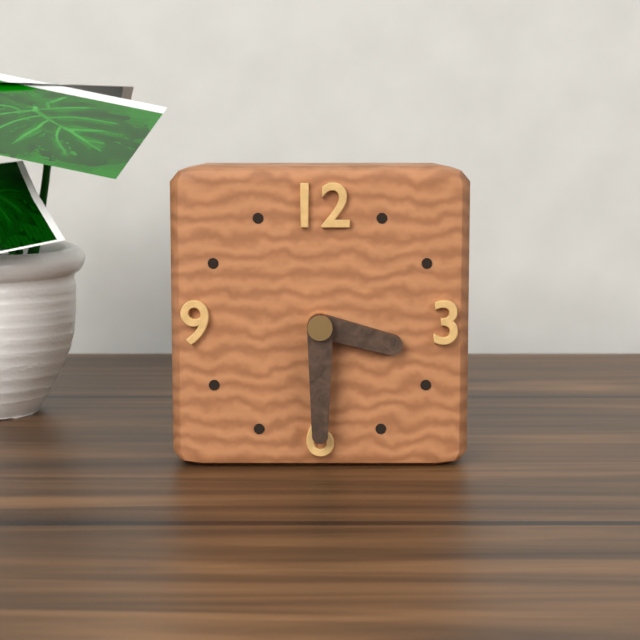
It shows 3:30
